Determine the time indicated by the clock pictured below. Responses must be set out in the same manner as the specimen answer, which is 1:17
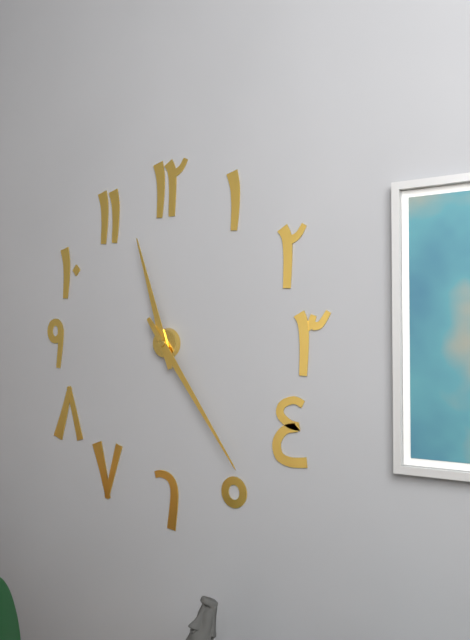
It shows 11:24
